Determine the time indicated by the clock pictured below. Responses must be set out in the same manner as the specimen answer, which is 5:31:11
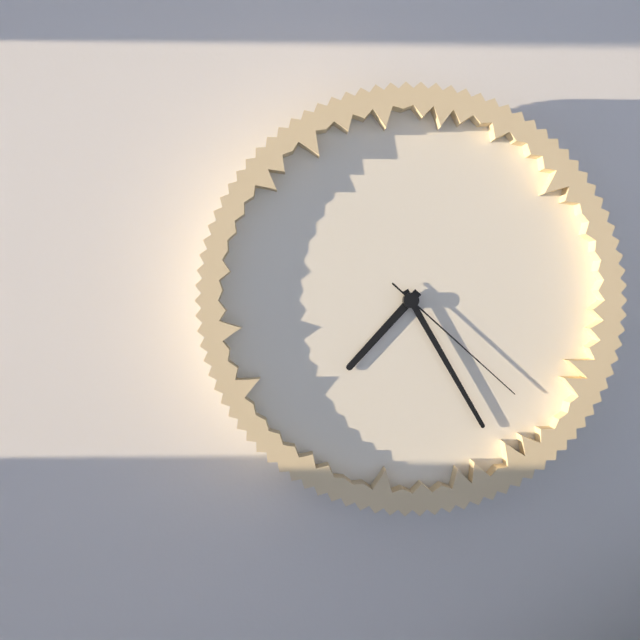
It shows 7:25:22
